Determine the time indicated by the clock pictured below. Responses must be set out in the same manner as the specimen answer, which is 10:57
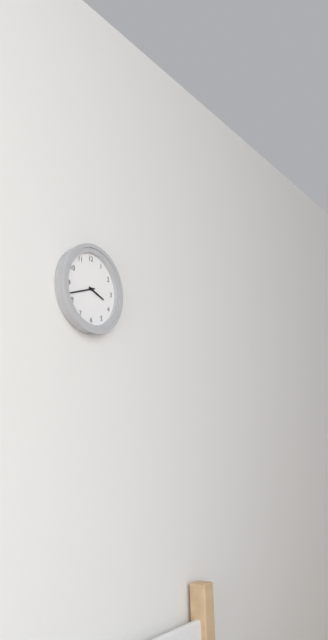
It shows 3:42
